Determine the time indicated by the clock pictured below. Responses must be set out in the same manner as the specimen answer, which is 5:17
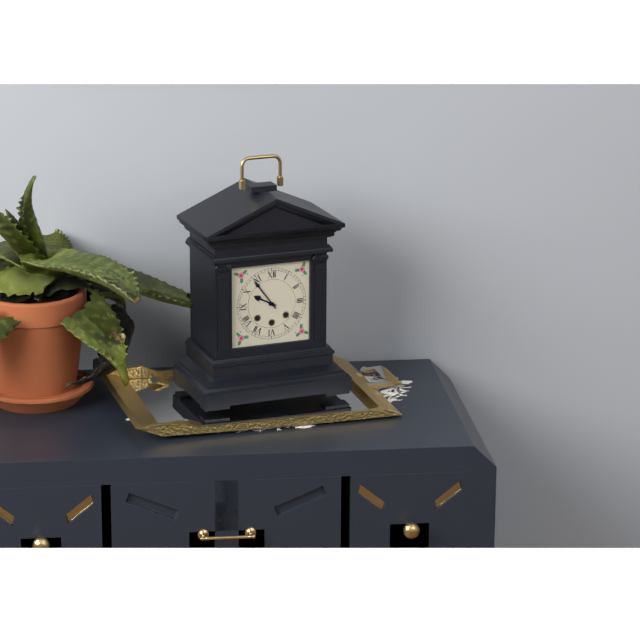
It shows 9:54
